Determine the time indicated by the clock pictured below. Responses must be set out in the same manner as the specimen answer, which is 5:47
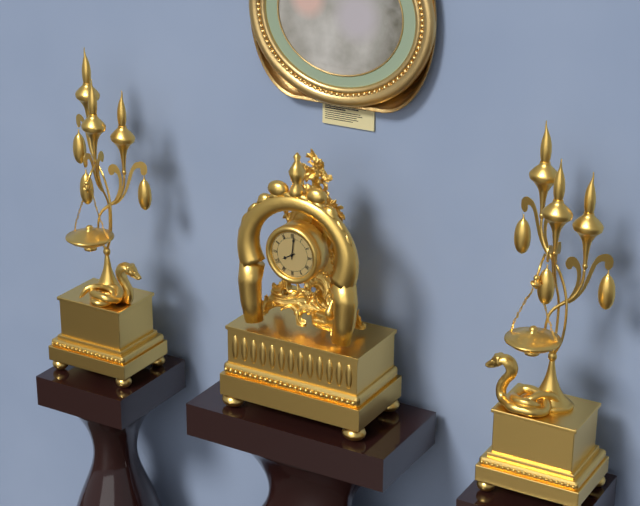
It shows 8:01
